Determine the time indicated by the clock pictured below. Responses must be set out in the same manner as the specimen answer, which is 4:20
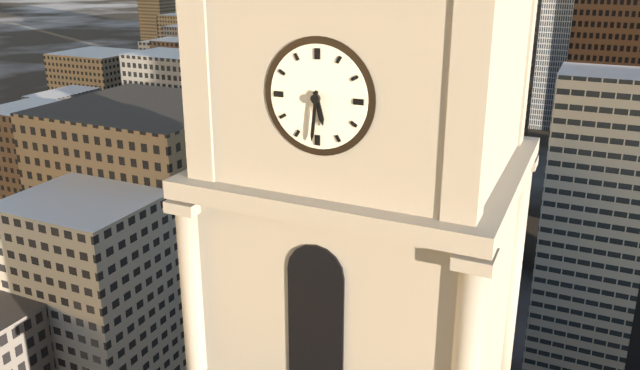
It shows 5:31
